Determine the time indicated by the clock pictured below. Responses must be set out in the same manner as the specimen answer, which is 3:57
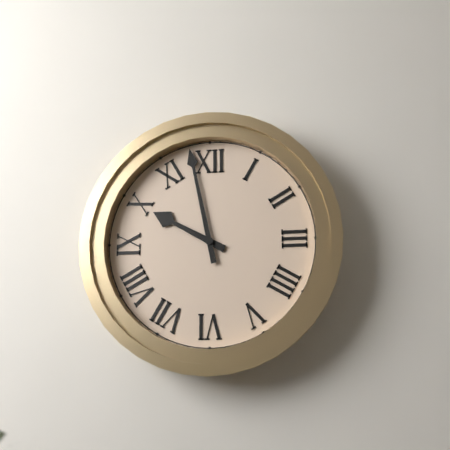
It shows 9:58
